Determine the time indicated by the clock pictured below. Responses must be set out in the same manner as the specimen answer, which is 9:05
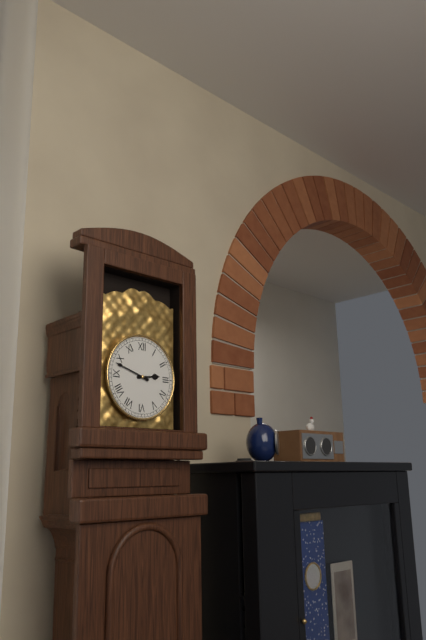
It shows 2:48
